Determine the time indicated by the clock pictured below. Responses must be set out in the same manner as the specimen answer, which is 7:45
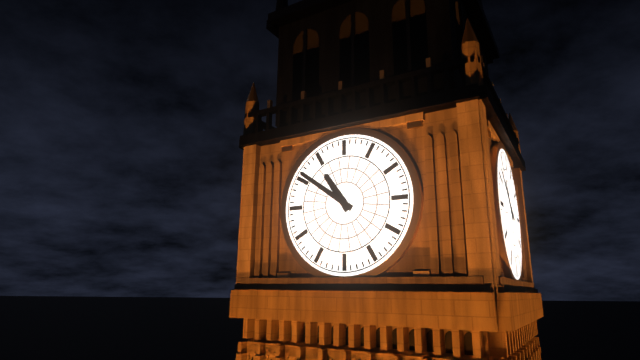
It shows 10:51
